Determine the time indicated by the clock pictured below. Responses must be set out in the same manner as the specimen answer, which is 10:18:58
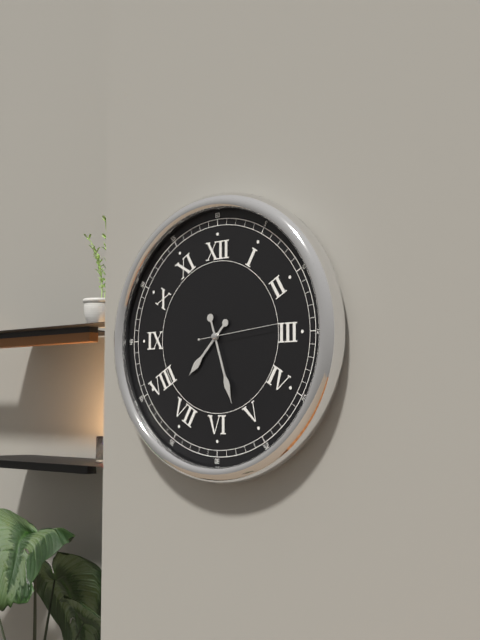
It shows 7:27:14
